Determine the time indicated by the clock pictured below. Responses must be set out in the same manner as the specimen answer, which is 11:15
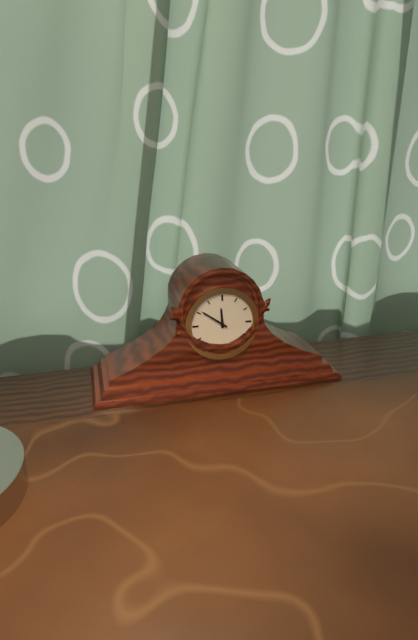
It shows 11:51
